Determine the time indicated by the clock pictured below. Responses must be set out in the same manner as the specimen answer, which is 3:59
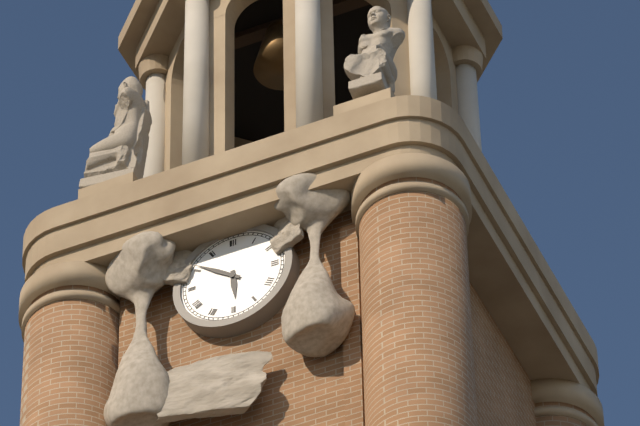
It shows 5:51
